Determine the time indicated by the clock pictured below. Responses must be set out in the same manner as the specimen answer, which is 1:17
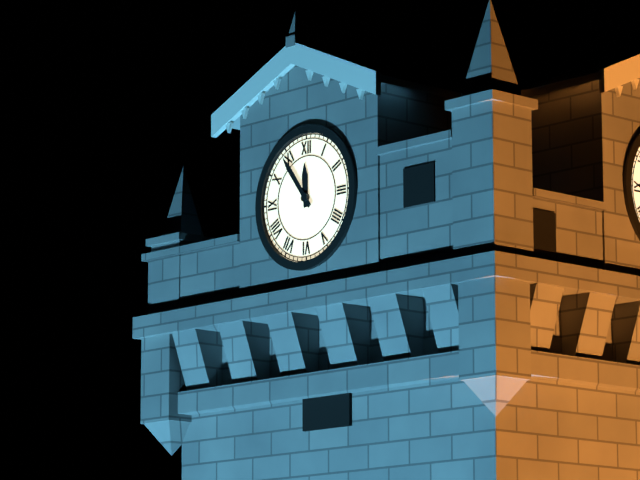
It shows 11:54
